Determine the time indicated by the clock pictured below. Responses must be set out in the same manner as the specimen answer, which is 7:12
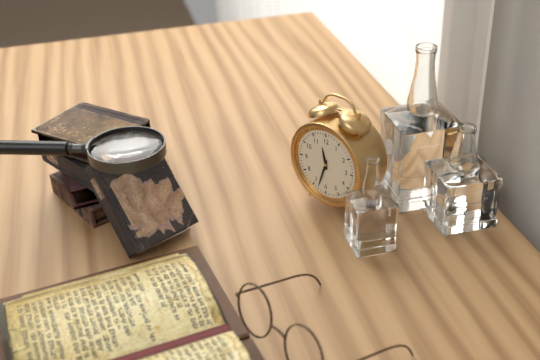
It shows 11:33
